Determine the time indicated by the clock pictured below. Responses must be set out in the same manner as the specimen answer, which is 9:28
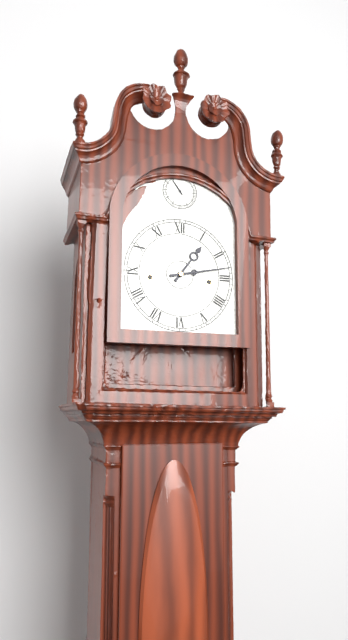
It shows 1:13
